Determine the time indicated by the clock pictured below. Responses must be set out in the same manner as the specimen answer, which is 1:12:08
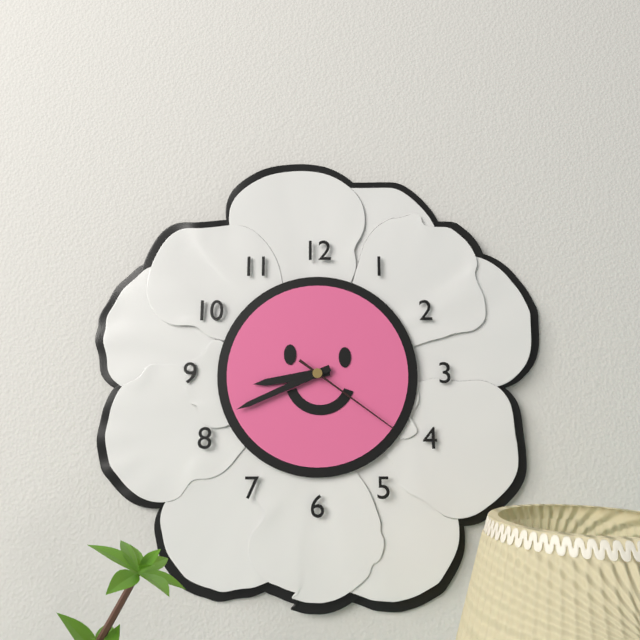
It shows 8:41:21
